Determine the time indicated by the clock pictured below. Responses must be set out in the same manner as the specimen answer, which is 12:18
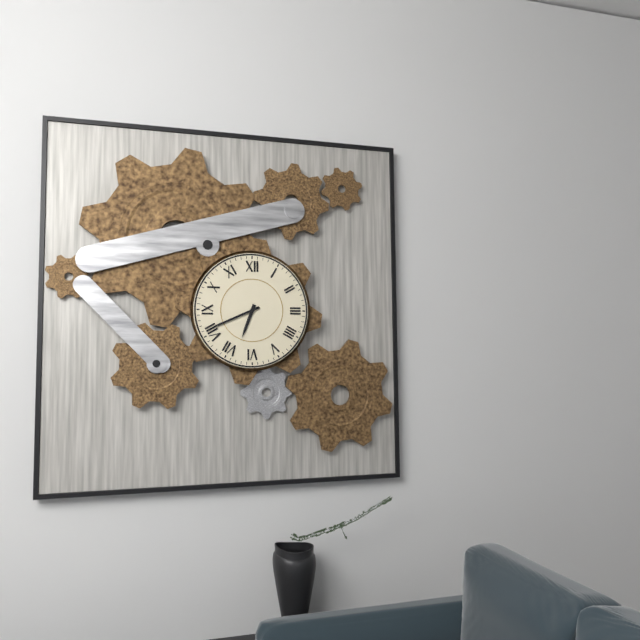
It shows 6:41
